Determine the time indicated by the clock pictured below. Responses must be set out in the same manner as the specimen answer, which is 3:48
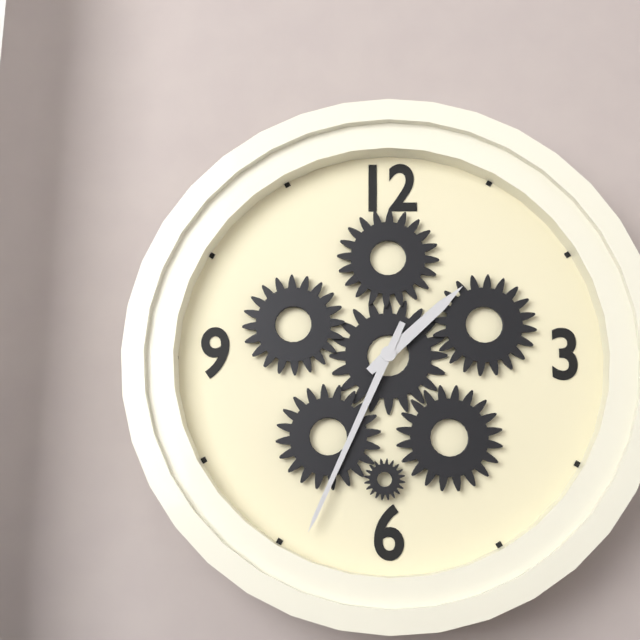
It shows 1:34
